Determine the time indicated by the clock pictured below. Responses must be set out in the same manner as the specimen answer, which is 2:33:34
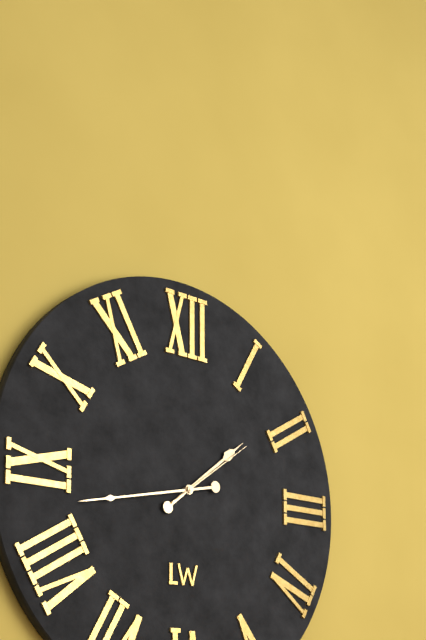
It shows 1:43:09
